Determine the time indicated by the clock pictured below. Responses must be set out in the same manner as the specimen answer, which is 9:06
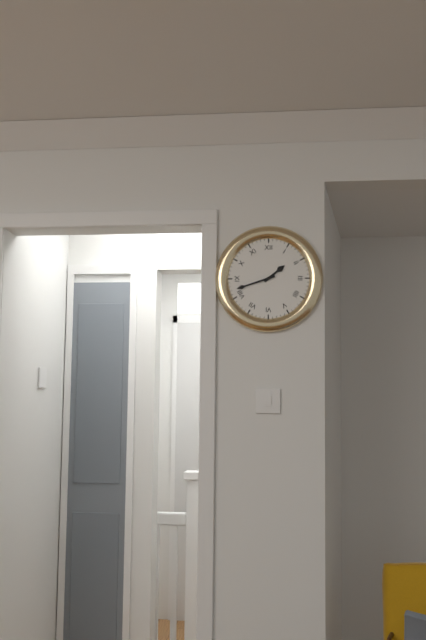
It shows 1:42
